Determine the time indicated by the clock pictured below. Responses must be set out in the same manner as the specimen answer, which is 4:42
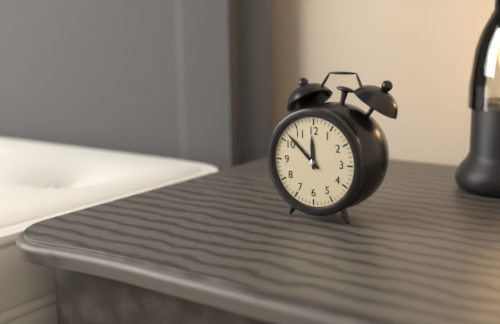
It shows 11:52
